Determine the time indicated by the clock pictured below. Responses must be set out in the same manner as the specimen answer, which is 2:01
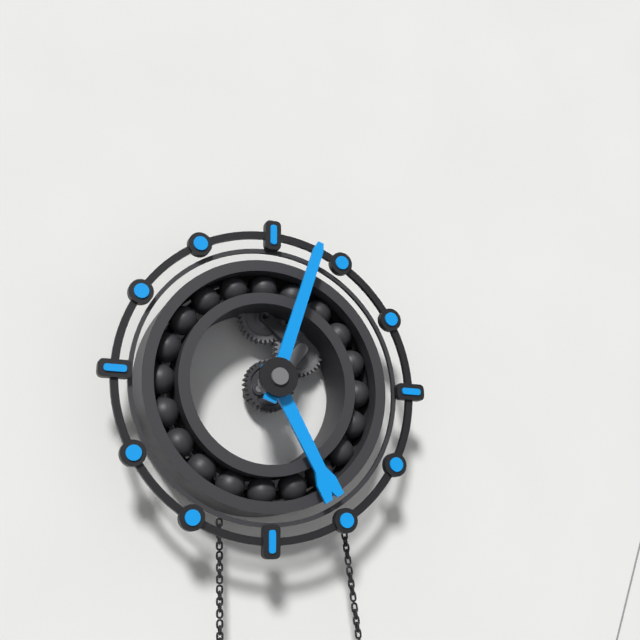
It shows 5:03
